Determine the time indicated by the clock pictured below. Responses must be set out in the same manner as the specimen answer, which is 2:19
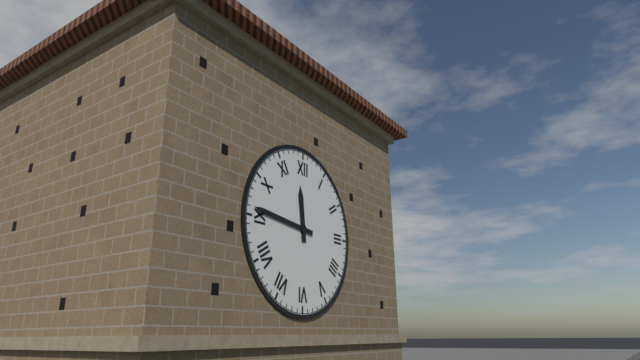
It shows 11:46
